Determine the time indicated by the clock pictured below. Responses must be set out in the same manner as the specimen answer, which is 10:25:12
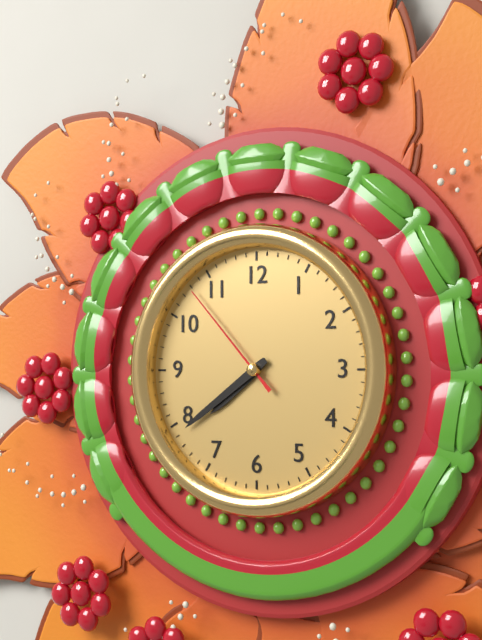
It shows 7:39:53
